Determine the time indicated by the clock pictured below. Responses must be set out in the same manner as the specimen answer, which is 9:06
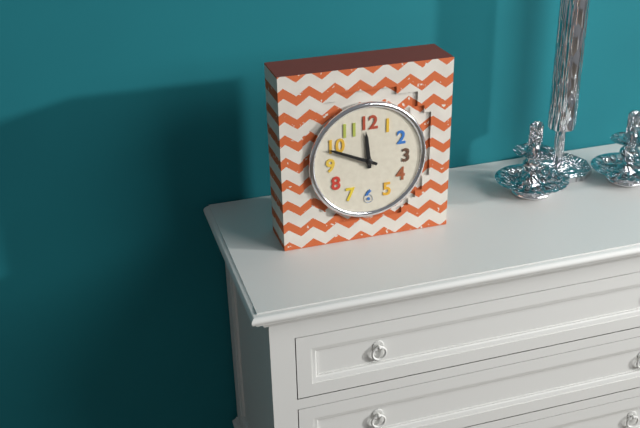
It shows 11:49
